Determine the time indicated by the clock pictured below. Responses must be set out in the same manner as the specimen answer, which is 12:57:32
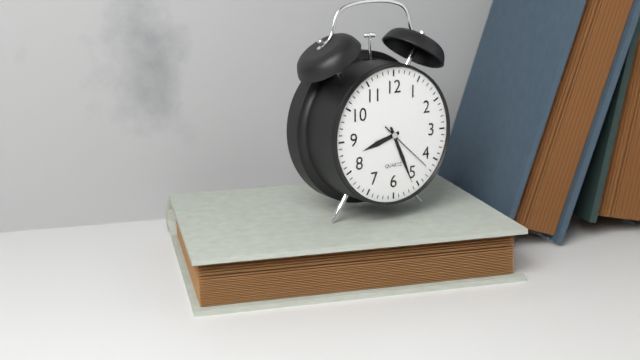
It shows 8:26:22
